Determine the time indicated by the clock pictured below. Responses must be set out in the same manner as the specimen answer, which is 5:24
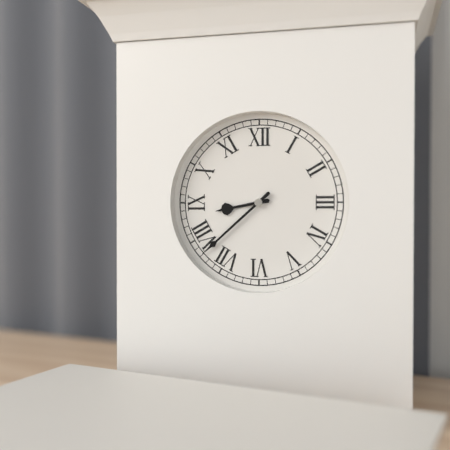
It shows 8:38
